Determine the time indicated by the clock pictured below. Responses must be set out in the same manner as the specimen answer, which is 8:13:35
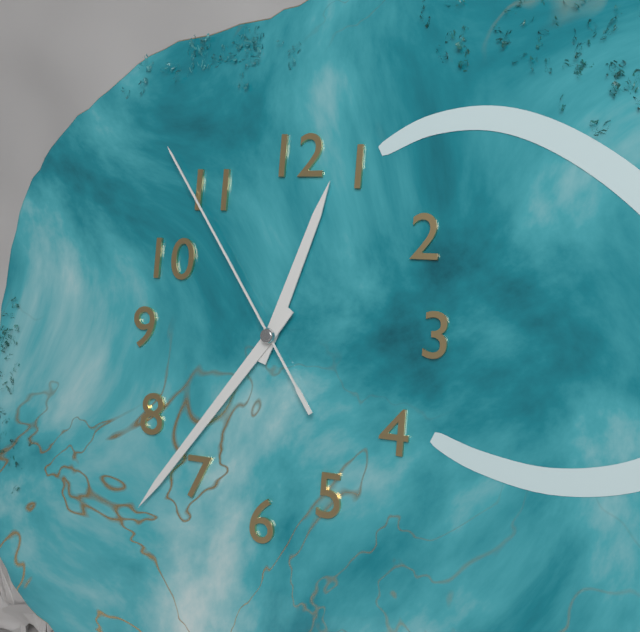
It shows 12:36:54
